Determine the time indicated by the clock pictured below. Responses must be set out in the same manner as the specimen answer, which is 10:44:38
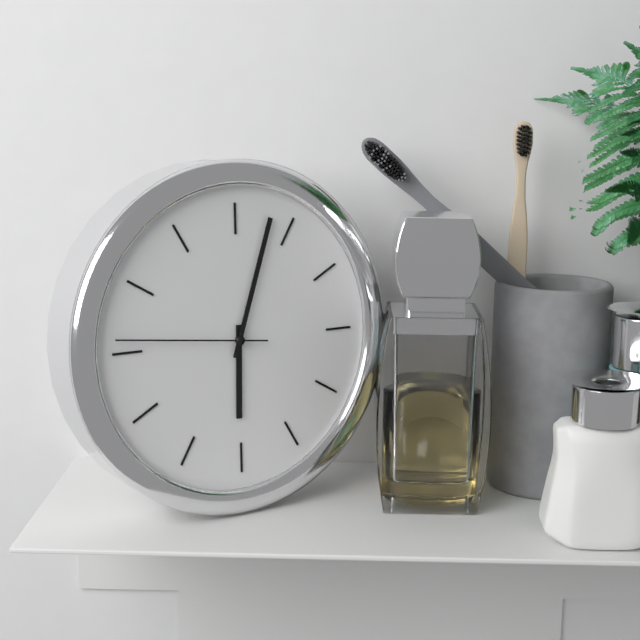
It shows 6:03:46
